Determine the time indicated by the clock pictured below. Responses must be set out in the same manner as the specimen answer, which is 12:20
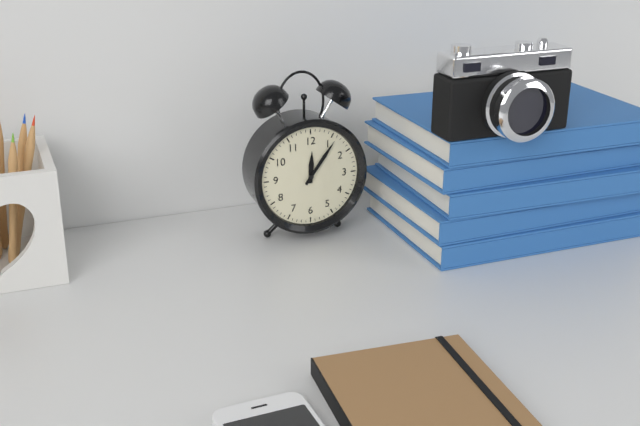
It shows 12:06
